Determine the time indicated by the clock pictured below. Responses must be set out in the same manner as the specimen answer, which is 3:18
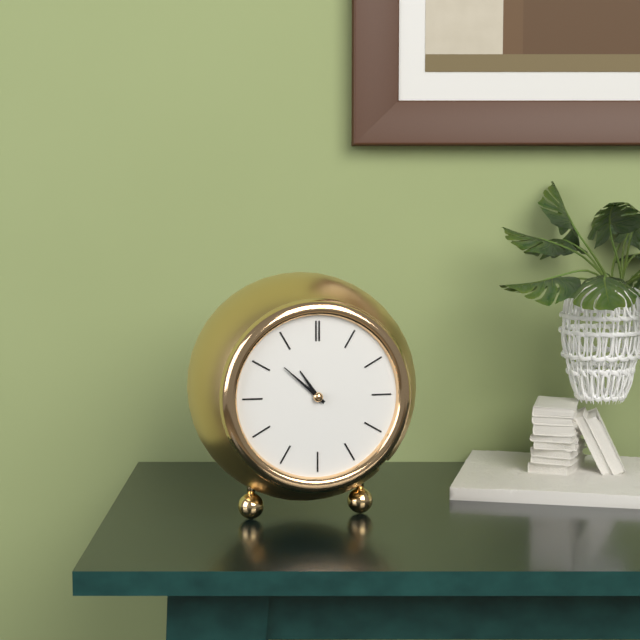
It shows 10:52
